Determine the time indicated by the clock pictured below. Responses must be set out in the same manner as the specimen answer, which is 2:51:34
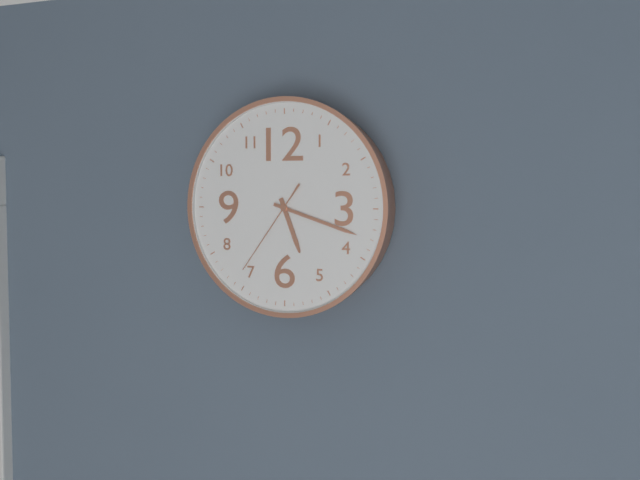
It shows 5:18:36
